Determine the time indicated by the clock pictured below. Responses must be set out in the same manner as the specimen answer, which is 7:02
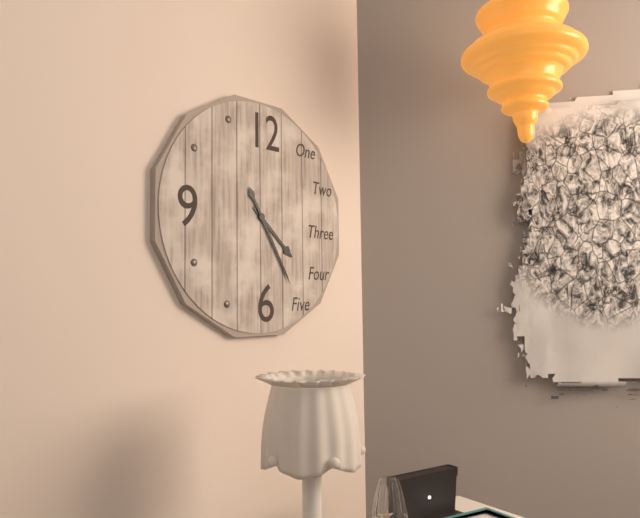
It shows 4:25
